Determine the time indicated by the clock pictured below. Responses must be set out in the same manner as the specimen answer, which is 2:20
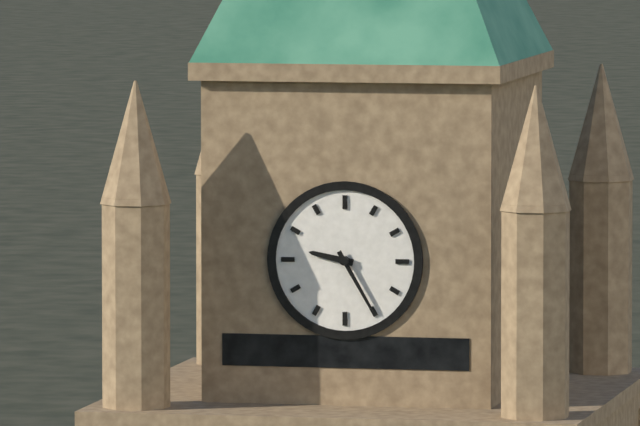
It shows 9:25
